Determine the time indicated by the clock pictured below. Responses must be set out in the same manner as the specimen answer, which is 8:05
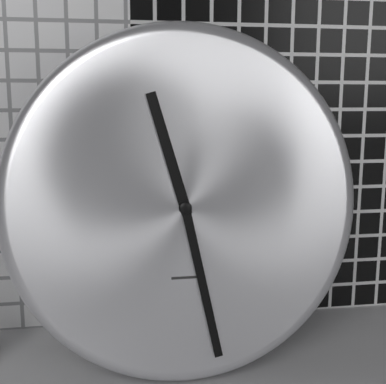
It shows 11:28
